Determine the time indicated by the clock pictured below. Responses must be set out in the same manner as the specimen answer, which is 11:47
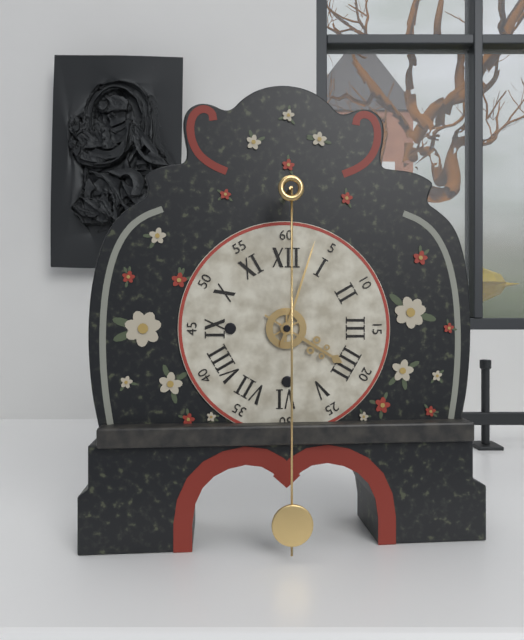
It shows 4:03
